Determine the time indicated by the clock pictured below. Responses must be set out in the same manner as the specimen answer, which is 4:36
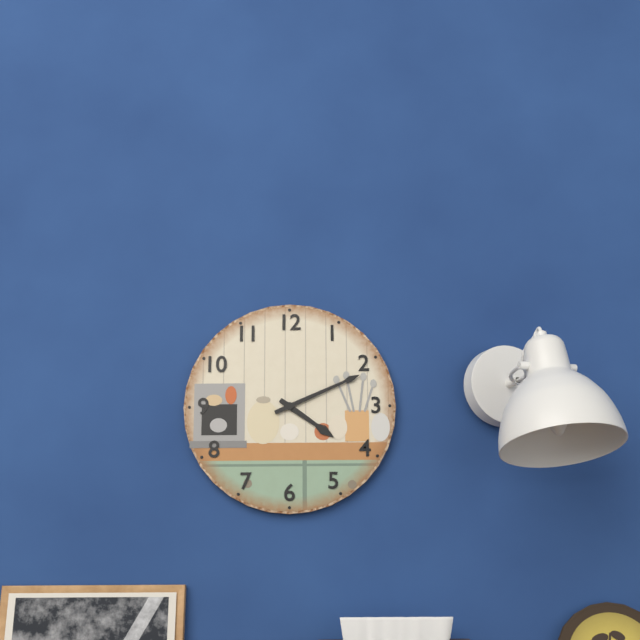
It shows 4:11
